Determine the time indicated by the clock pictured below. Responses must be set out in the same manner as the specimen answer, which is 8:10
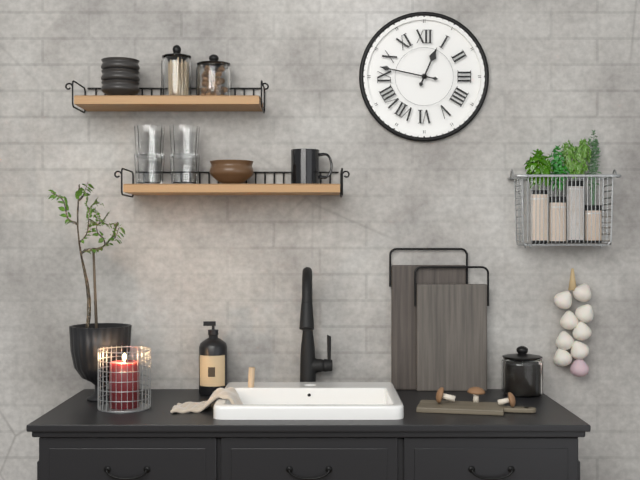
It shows 12:47
